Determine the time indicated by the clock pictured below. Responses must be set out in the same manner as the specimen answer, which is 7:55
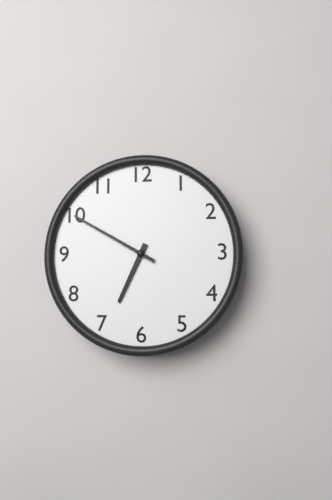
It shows 6:50
